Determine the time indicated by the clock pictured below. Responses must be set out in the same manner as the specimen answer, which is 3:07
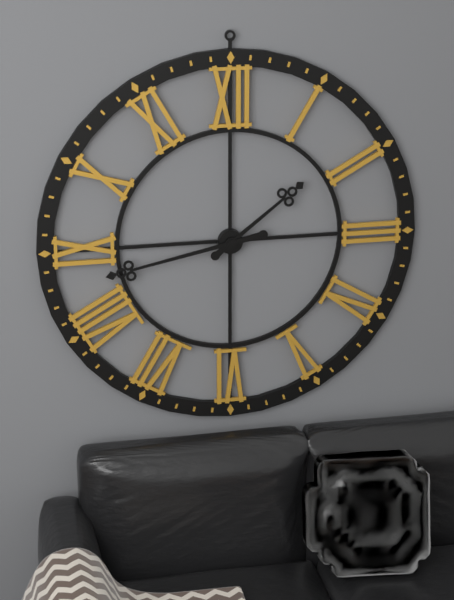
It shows 1:43
